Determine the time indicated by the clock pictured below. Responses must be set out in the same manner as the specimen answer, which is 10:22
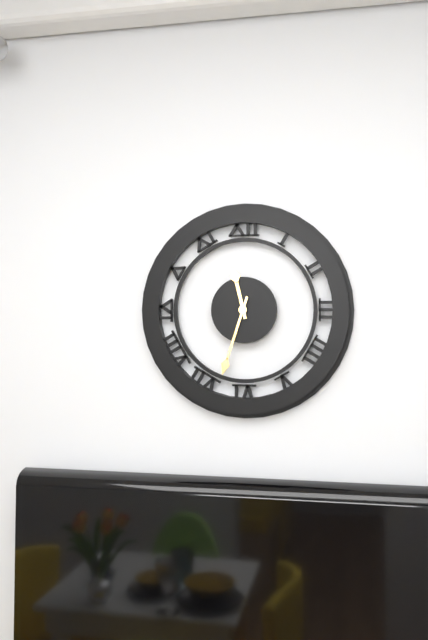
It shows 11:33
